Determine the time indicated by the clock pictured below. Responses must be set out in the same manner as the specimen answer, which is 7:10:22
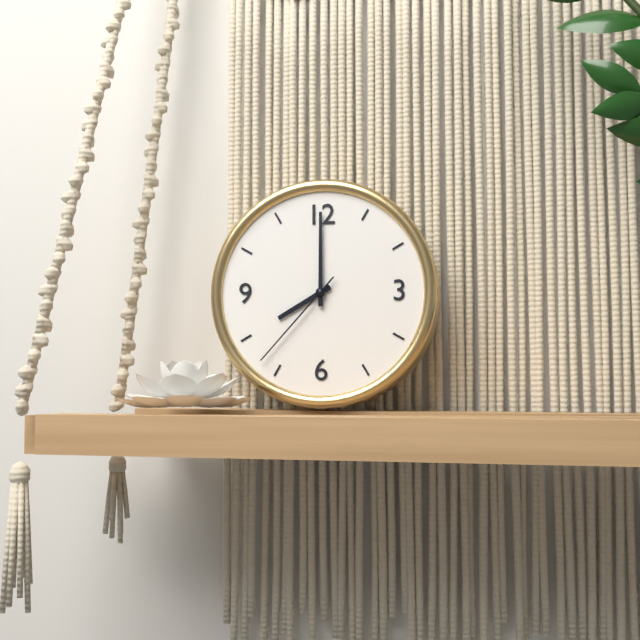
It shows 8:00:37
